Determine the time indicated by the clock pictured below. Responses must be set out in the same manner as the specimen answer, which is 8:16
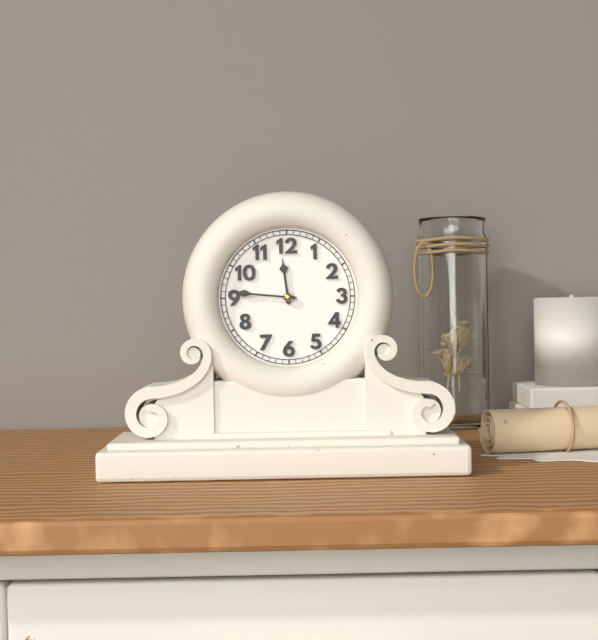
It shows 11:46
